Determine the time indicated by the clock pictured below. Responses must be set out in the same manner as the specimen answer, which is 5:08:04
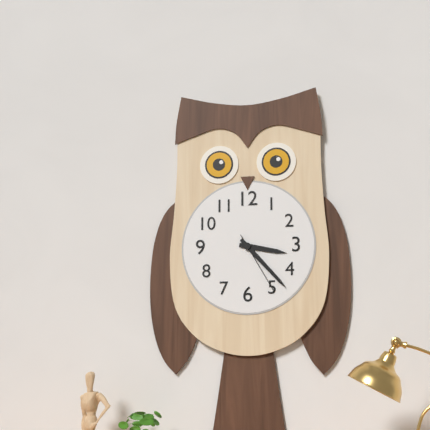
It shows 3:23:25
